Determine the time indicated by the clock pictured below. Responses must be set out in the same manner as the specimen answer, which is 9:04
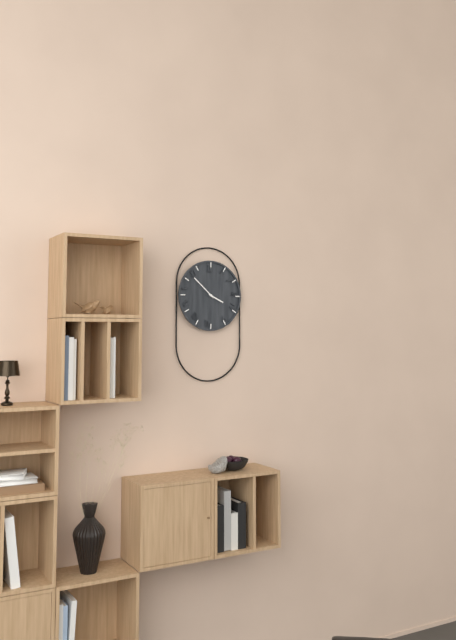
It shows 3:52
